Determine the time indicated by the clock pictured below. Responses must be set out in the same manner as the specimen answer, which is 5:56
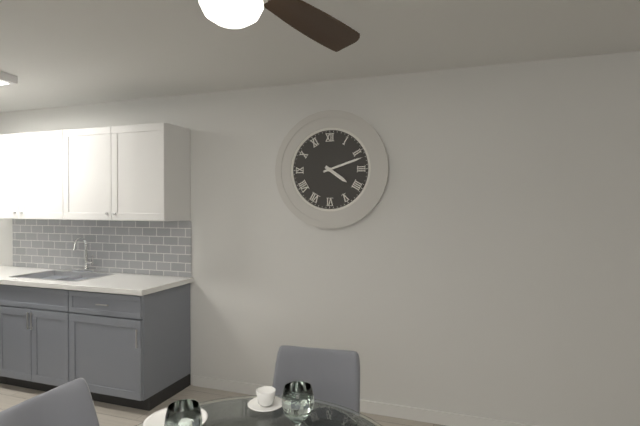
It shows 4:12
